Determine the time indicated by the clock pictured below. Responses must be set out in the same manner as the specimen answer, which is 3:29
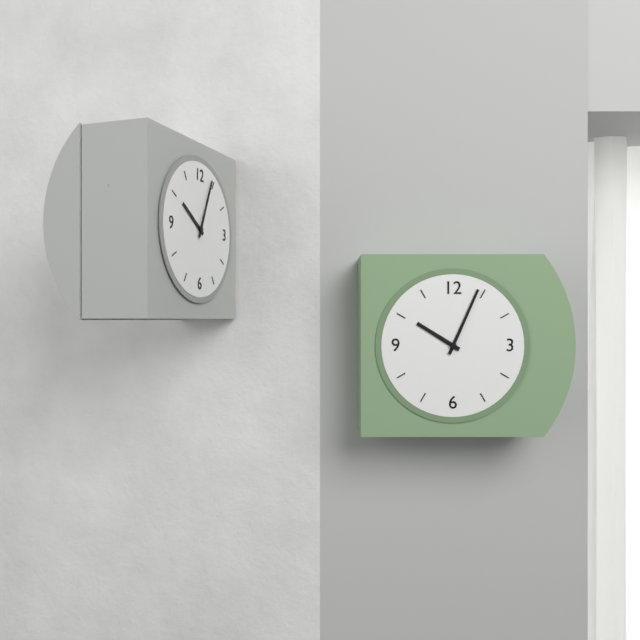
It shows 10:04
